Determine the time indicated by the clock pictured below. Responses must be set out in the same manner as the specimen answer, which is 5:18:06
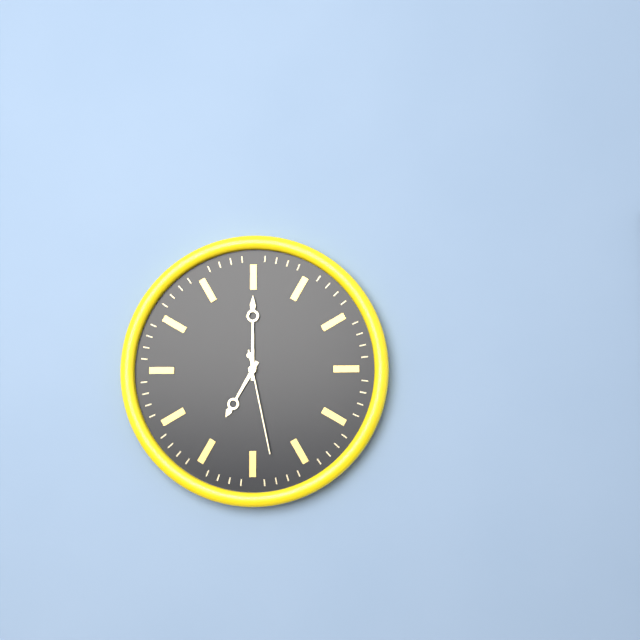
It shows 7:00:28
